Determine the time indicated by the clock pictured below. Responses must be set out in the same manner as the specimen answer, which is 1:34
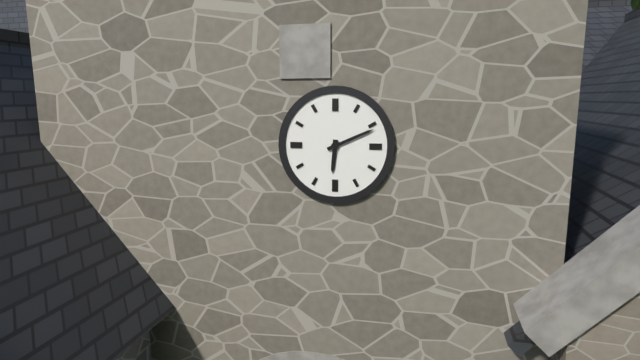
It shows 6:11
